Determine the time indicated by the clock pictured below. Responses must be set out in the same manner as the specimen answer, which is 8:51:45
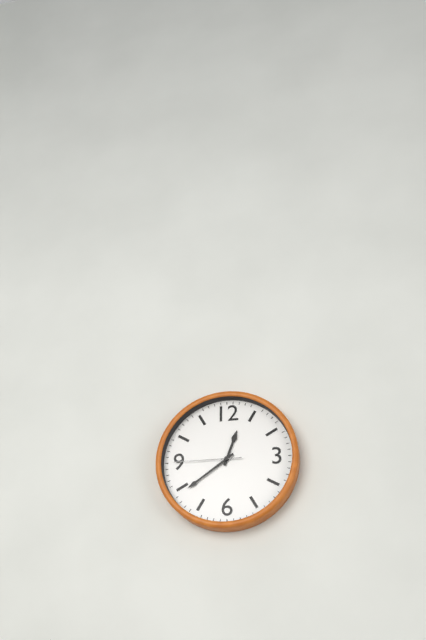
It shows 12:39:45
